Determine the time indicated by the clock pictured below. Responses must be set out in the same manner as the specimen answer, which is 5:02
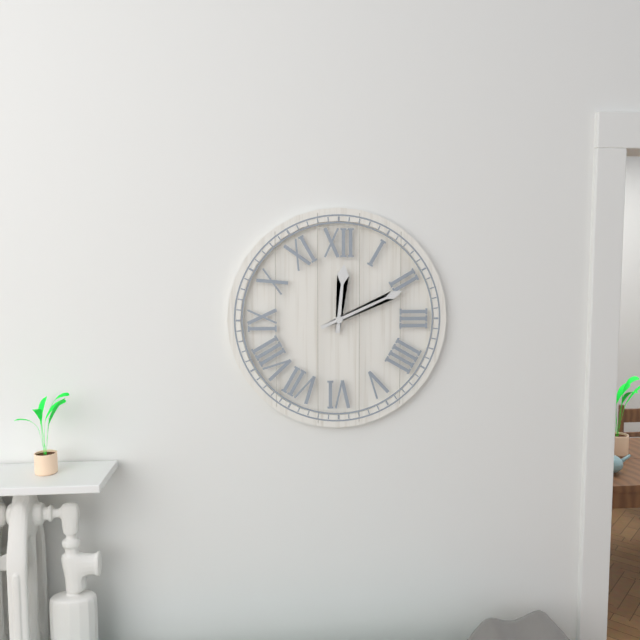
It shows 12:11
